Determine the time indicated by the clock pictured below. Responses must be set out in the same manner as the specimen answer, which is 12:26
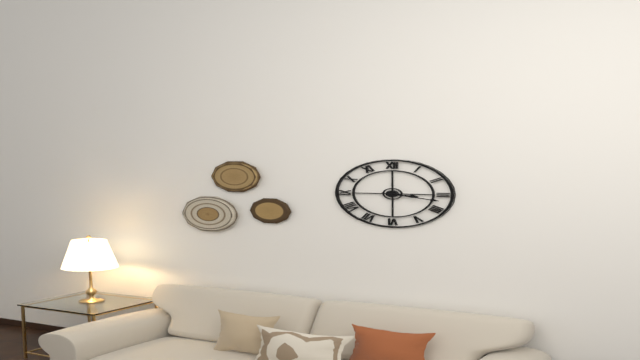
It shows 3:17
